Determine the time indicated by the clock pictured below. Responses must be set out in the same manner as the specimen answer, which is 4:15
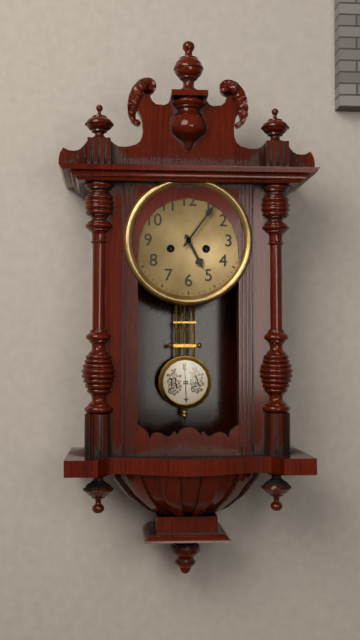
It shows 5:06
